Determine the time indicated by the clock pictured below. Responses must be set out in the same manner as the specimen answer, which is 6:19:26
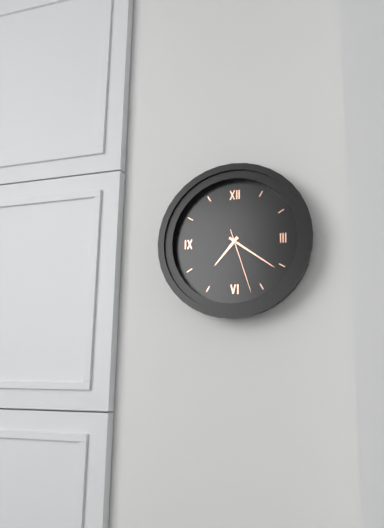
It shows 7:21:27
